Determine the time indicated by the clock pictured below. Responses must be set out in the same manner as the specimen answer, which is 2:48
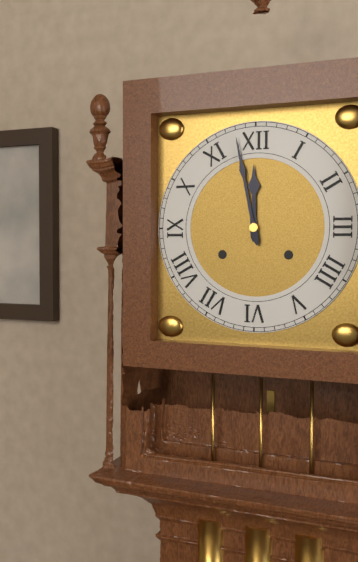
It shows 11:58
